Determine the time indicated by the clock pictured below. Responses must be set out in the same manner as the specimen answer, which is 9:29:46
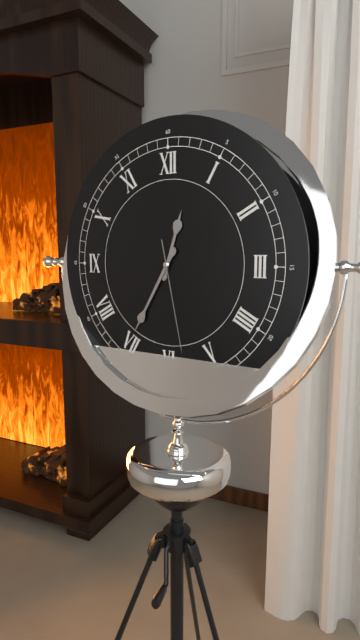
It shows 12:35:28
